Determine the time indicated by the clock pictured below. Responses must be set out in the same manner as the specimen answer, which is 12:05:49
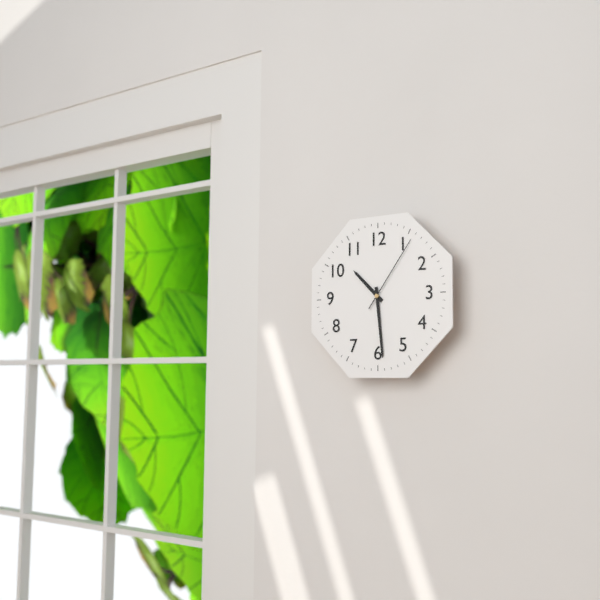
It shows 10:29:06
